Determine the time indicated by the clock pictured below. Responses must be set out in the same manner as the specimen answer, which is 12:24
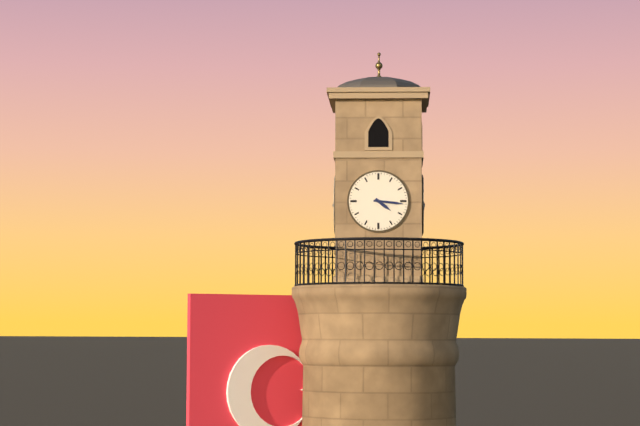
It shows 4:16
